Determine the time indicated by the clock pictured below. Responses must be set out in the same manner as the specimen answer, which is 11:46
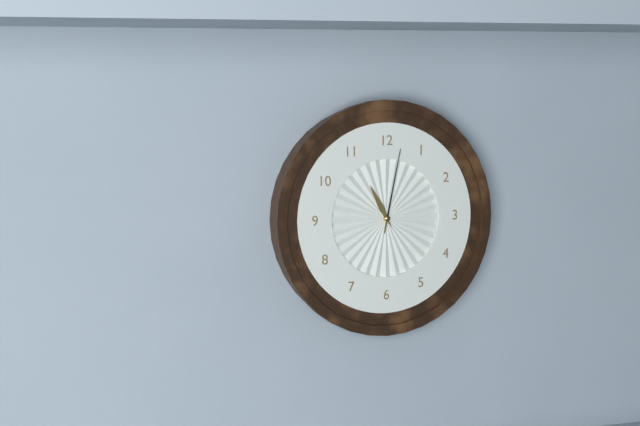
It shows 11:02
